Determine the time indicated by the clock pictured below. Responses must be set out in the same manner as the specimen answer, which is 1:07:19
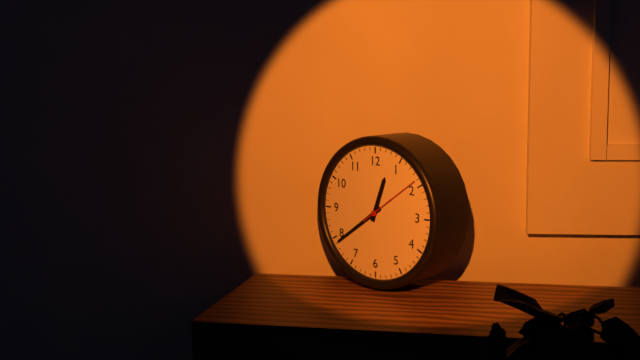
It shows 12:39:09
